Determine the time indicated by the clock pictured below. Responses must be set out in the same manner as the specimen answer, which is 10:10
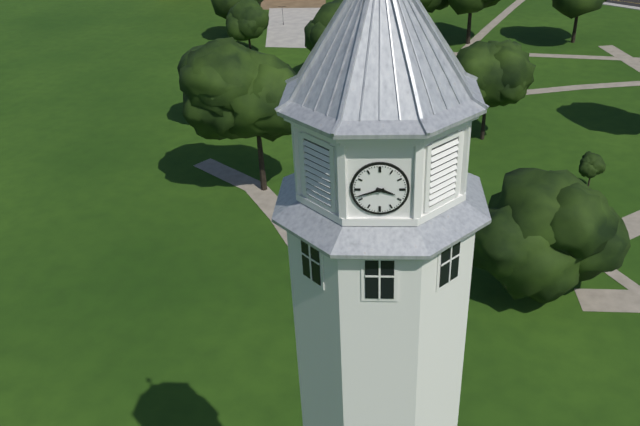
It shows 3:42
